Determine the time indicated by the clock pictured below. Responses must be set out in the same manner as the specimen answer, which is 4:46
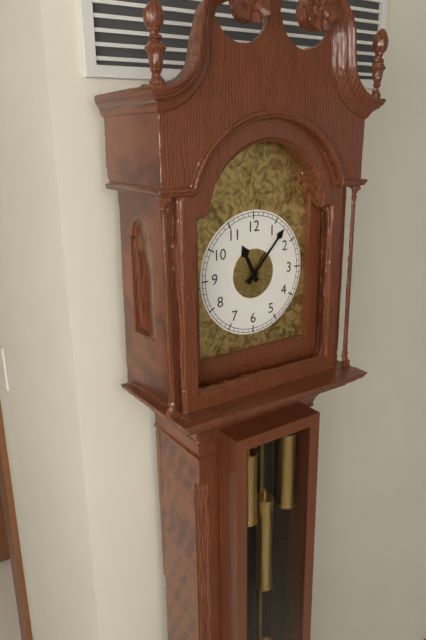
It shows 11:07
